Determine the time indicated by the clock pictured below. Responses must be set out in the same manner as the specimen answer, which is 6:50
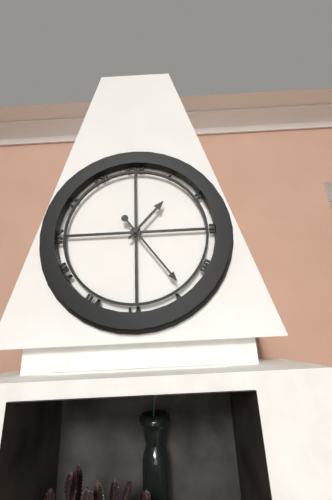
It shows 1:24
